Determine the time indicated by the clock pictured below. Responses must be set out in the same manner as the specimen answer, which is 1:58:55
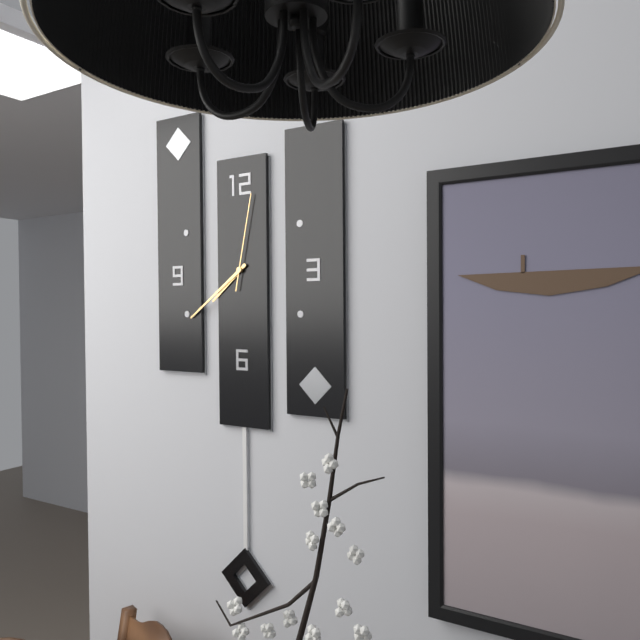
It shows 7:39:02
